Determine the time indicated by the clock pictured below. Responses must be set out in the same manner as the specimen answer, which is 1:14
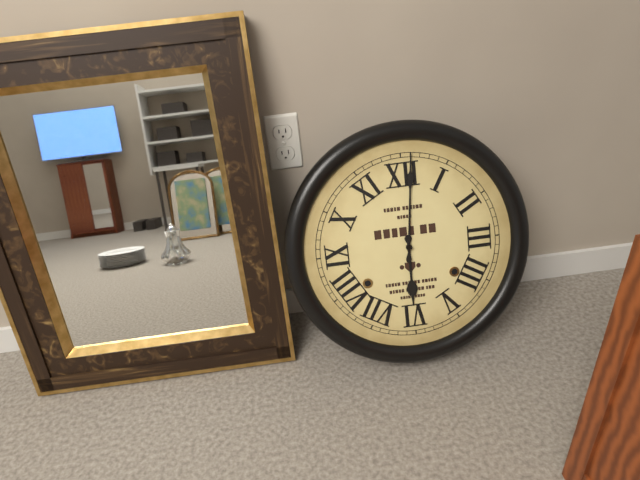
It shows 6:01
